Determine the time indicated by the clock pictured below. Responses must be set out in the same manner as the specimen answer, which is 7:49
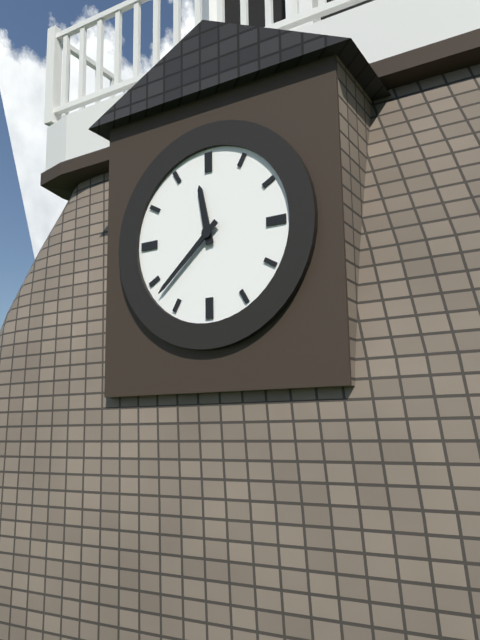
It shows 11:38
